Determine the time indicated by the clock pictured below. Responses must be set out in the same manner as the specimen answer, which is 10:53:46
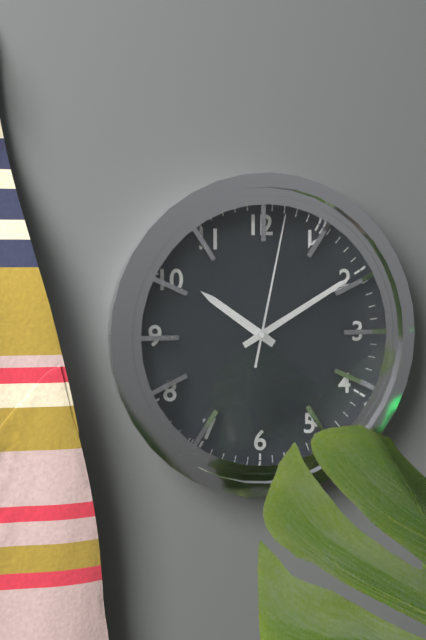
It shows 10:10:02
